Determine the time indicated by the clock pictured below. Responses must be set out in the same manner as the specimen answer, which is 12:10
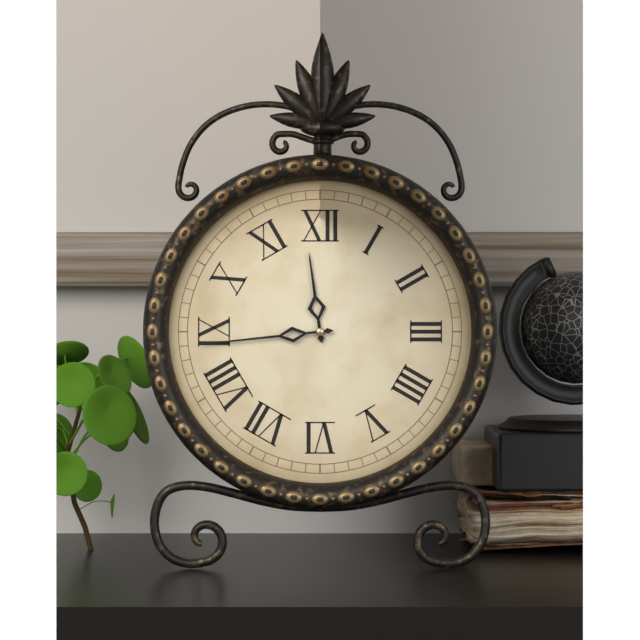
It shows 11:44
